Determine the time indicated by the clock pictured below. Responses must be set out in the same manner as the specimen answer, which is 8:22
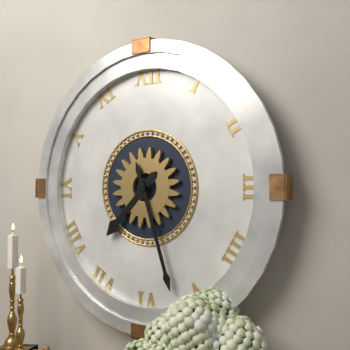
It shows 7:27
